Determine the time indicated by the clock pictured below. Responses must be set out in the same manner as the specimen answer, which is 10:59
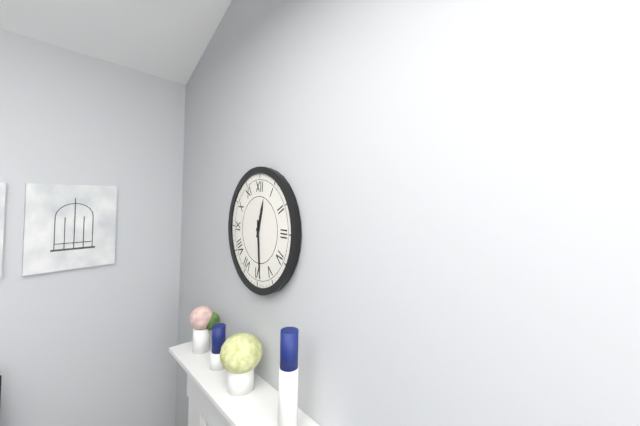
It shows 12:29
